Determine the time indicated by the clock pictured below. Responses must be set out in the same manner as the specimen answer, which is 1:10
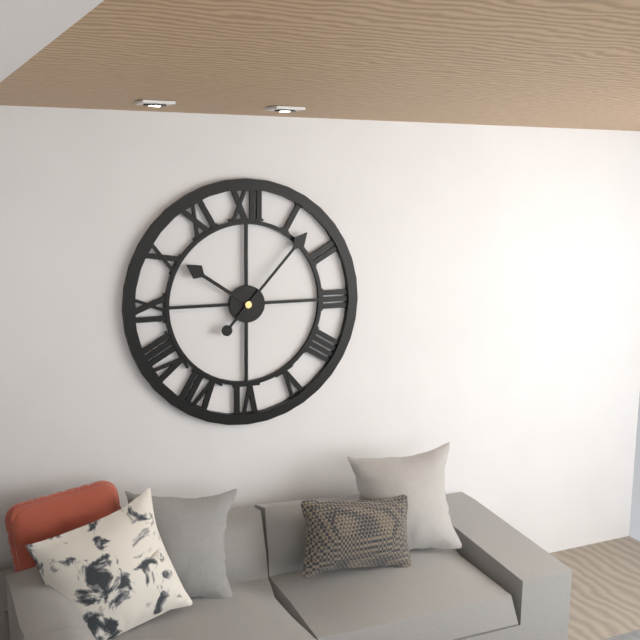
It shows 10:07
